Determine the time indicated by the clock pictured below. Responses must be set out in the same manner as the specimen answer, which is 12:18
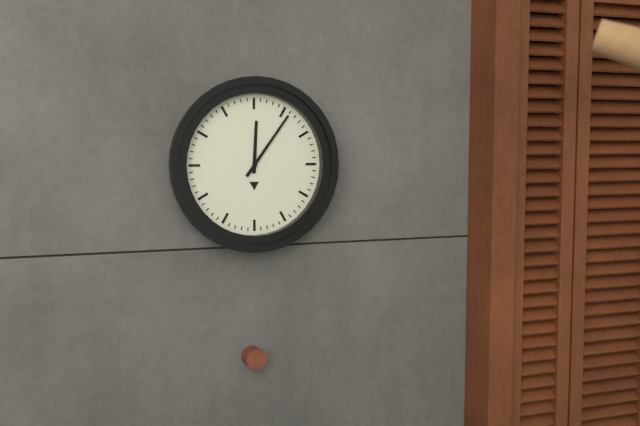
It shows 12:06
